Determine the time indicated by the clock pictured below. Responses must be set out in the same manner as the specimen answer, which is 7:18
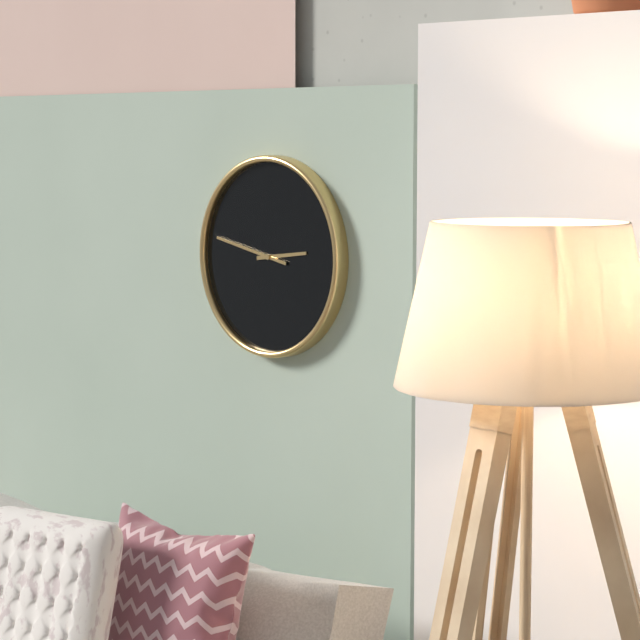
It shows 2:47
